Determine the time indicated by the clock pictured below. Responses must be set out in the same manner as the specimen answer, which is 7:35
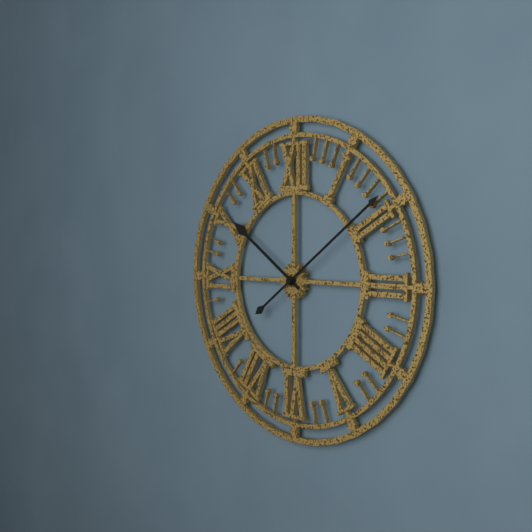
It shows 10:09
